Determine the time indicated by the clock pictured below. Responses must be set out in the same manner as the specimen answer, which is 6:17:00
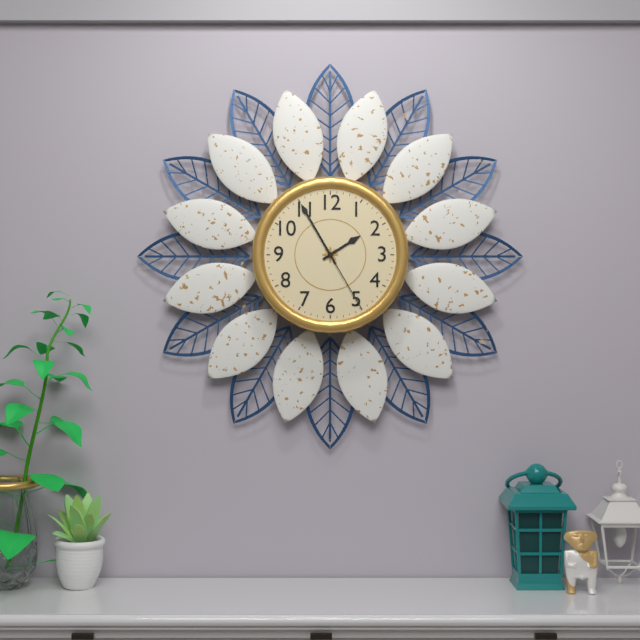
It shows 1:55:25
